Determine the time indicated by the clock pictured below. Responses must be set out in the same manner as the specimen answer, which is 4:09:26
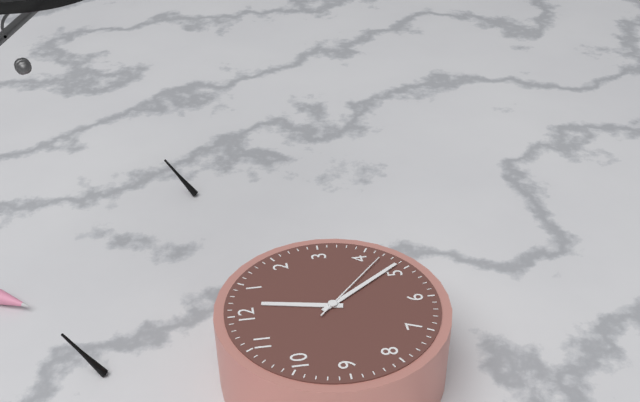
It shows 12:24:22
